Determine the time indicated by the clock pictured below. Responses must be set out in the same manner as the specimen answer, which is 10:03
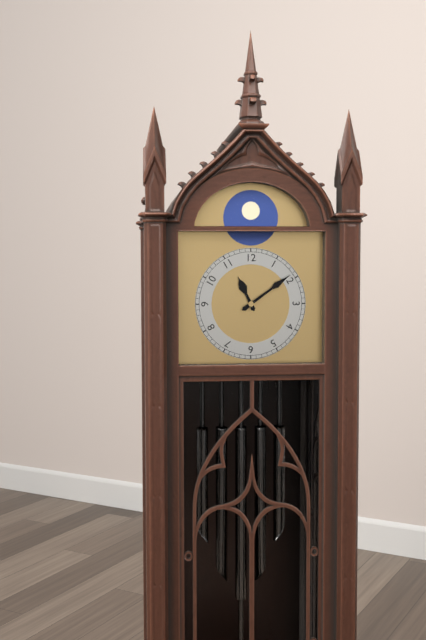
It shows 11:09
